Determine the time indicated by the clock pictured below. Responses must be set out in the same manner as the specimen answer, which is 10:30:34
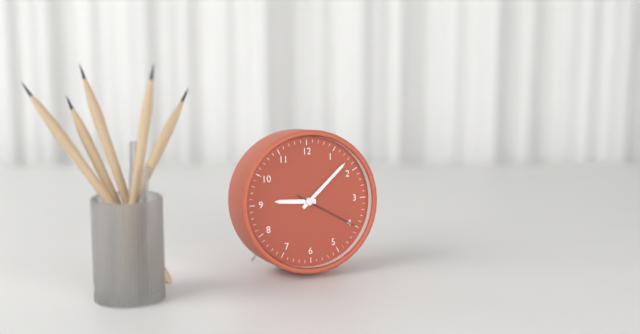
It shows 9:08:20
